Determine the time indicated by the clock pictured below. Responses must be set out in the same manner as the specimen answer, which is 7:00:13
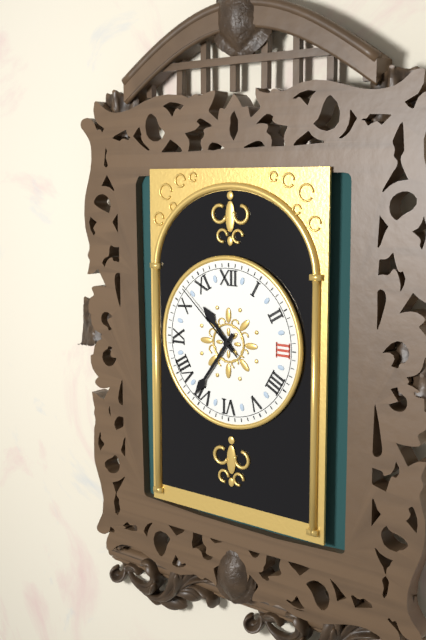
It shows 10:36:52
